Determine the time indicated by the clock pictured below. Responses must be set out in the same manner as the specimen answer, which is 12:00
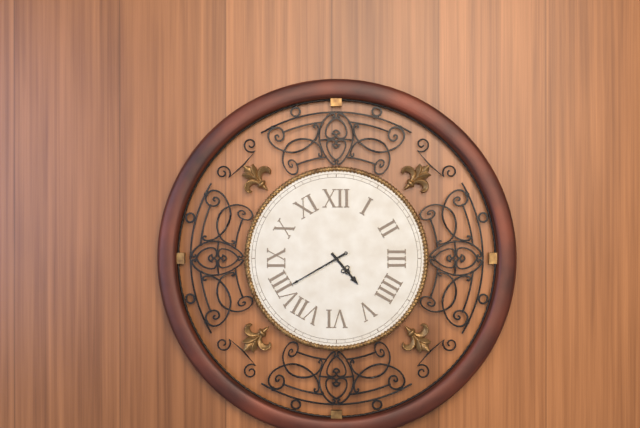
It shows 4:40
